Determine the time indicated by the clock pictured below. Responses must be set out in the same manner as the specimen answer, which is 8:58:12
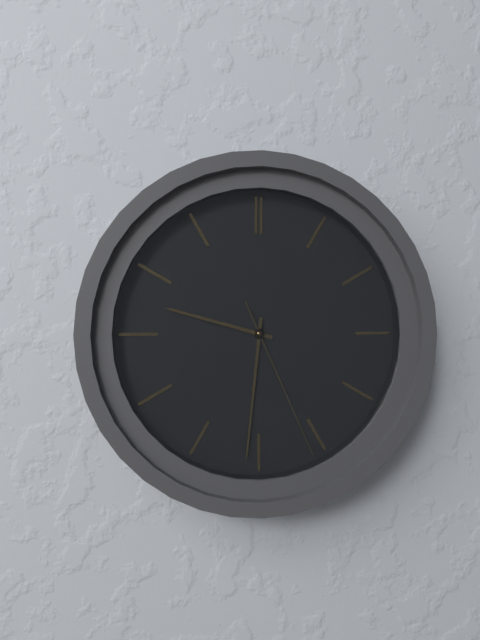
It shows 9:31:26
